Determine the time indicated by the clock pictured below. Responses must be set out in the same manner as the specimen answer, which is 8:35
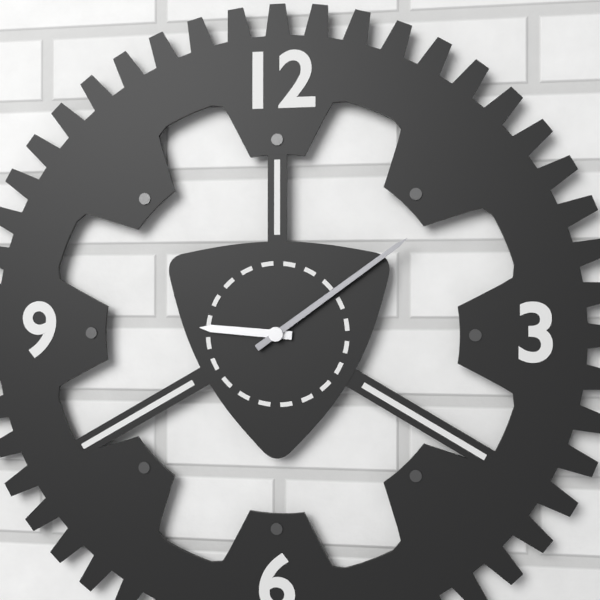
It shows 9:09
